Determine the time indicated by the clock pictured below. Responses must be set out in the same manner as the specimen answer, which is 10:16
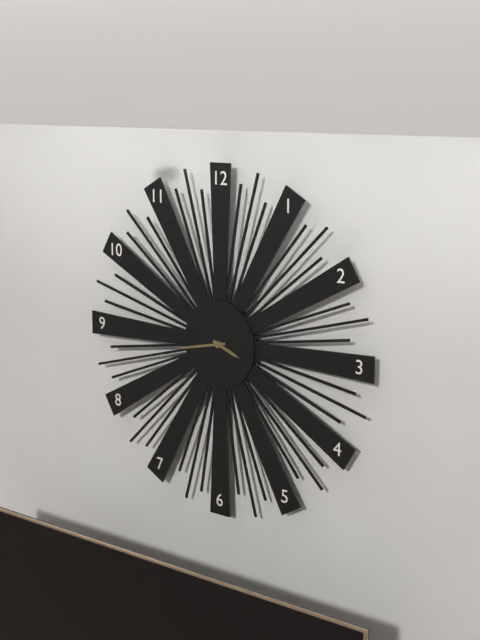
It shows 3:43
